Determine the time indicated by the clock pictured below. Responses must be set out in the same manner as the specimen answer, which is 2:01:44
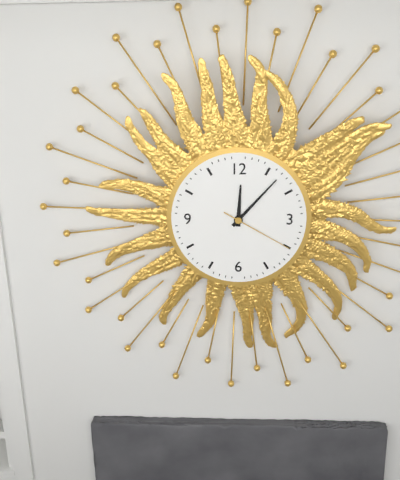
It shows 12:07:20
